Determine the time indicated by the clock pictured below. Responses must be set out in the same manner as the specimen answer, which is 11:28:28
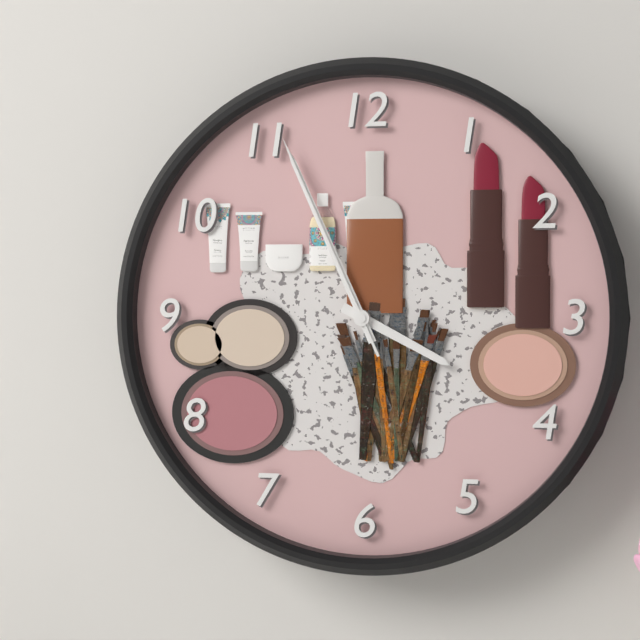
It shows 3:56:56
